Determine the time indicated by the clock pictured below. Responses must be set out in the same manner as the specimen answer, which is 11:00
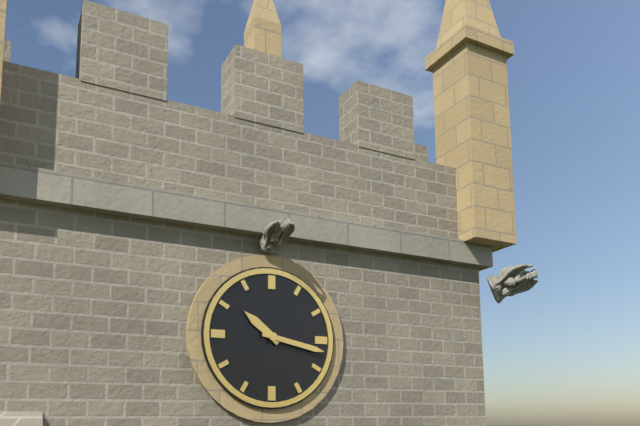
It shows 10:17
